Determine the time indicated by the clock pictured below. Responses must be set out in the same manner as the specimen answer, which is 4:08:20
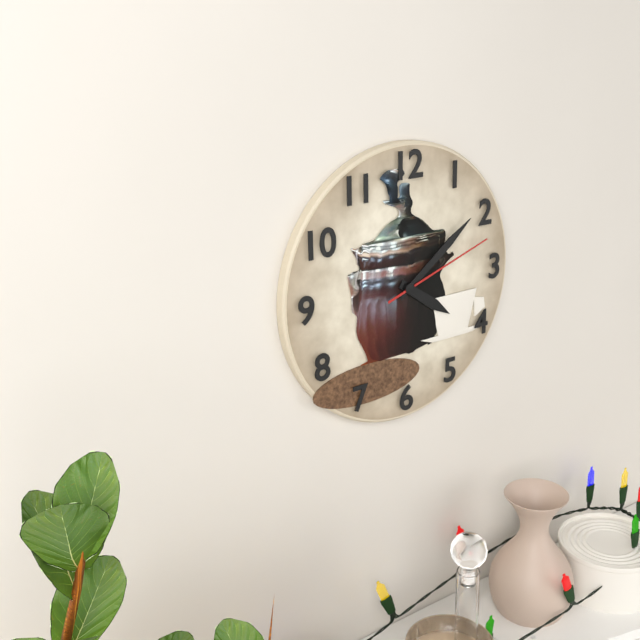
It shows 4:09:12
